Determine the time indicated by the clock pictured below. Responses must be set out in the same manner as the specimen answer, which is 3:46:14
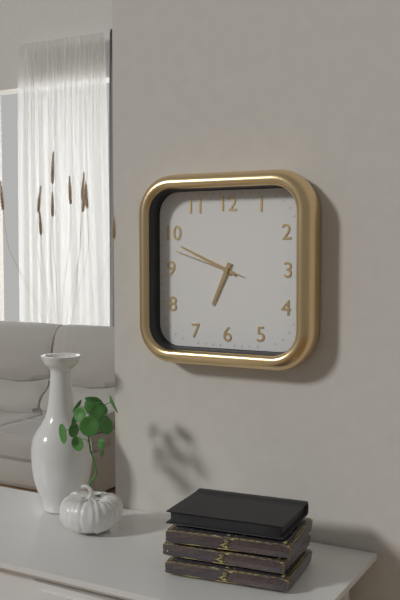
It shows 6:49:48
